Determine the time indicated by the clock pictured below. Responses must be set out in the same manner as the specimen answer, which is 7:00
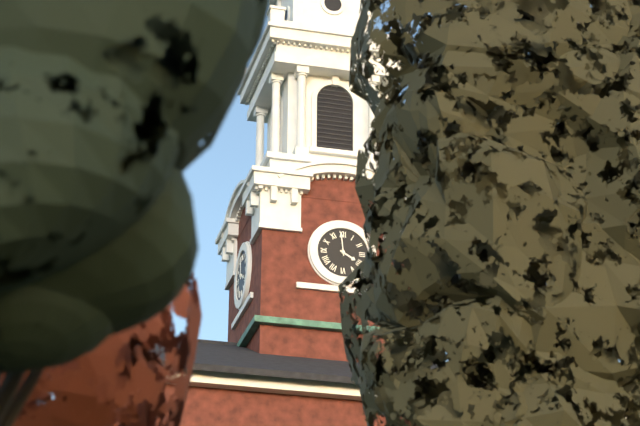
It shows 3:59
